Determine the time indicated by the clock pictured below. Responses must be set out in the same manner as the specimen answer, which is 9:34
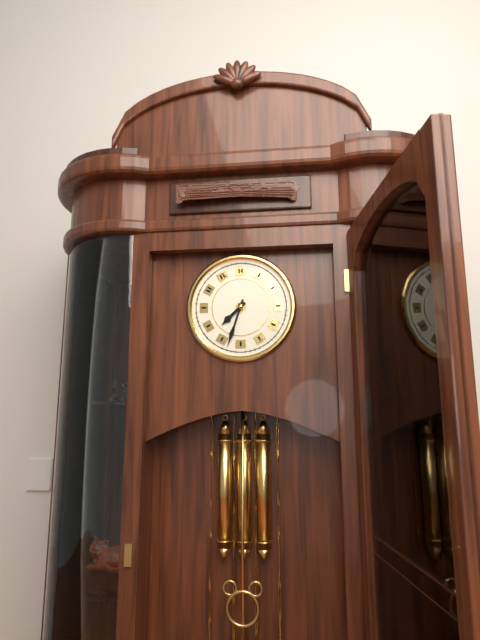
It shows 7:33
